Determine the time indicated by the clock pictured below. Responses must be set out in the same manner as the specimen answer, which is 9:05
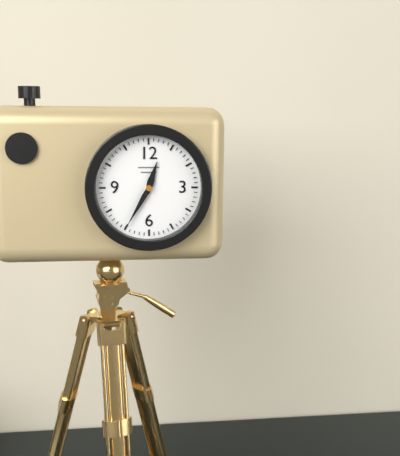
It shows 12:35
